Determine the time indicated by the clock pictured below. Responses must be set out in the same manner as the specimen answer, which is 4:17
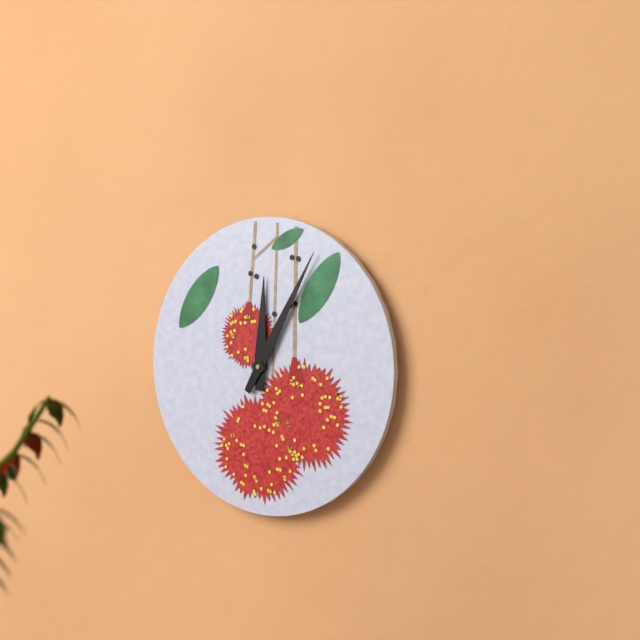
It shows 12:05
